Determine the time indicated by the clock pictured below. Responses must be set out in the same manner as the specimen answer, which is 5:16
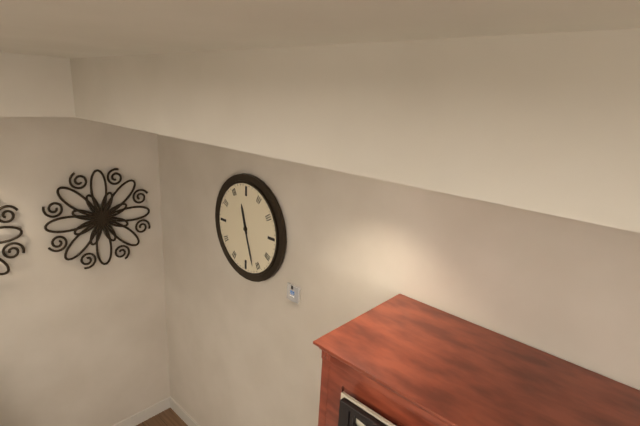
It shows 11:27
